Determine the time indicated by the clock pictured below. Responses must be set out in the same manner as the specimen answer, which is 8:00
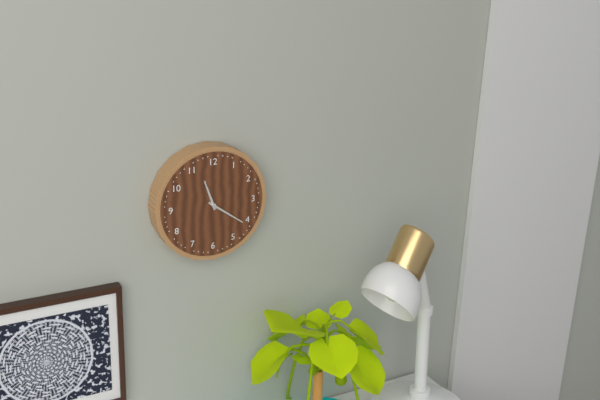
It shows 11:21
